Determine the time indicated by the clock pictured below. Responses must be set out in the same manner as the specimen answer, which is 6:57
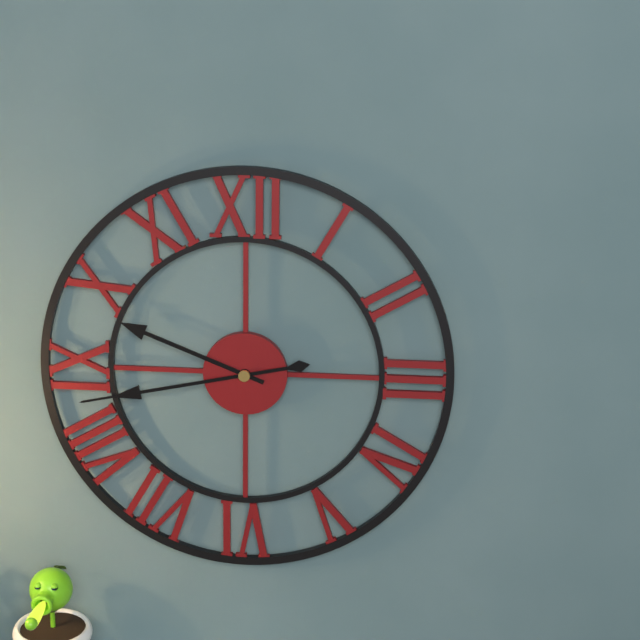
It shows 9:43
